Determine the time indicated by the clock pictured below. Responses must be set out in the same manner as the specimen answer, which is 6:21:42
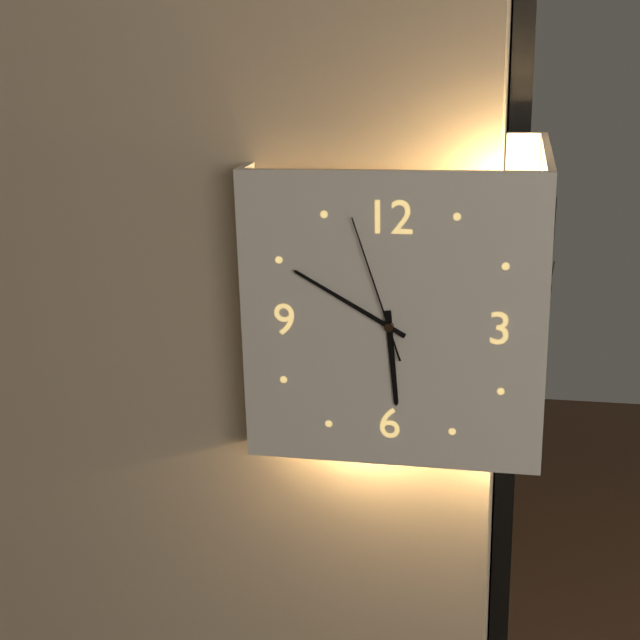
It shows 5:50:57
